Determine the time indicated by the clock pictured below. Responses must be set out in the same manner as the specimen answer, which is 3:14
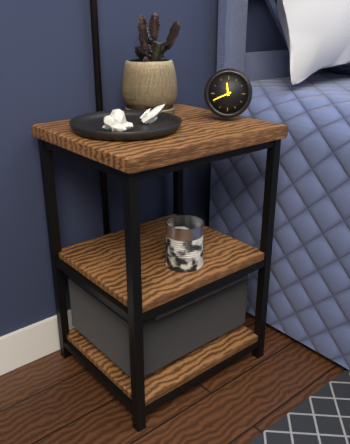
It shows 11:41
